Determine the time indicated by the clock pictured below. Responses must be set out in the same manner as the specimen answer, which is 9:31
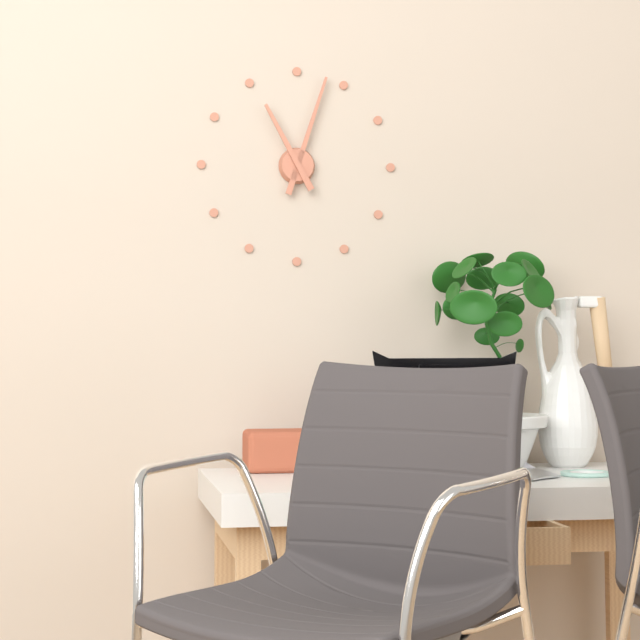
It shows 11:03
